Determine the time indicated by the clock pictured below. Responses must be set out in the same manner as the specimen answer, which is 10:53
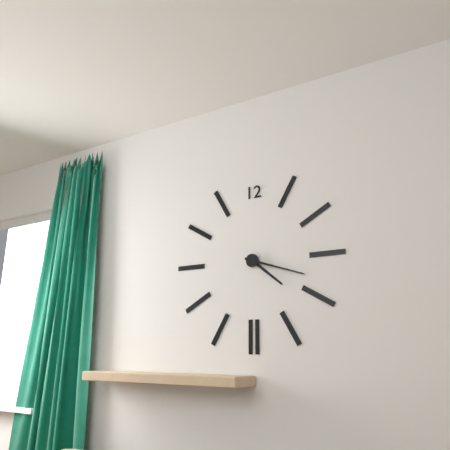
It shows 4:18
